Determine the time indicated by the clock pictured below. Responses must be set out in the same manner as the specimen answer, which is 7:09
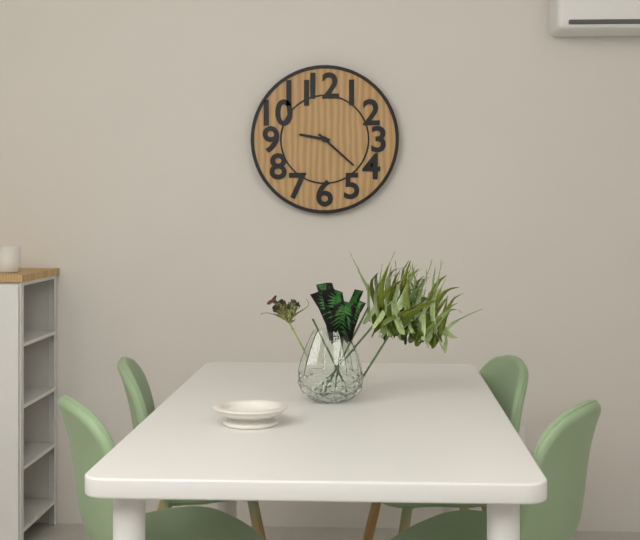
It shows 9:22
